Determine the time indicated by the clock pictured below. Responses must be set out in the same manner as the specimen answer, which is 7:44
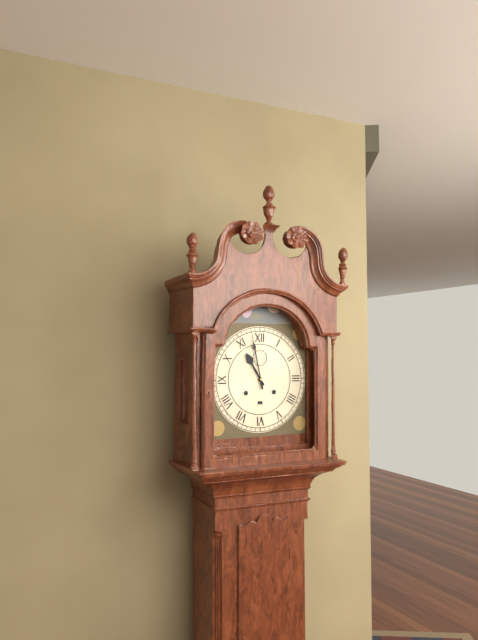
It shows 10:58
